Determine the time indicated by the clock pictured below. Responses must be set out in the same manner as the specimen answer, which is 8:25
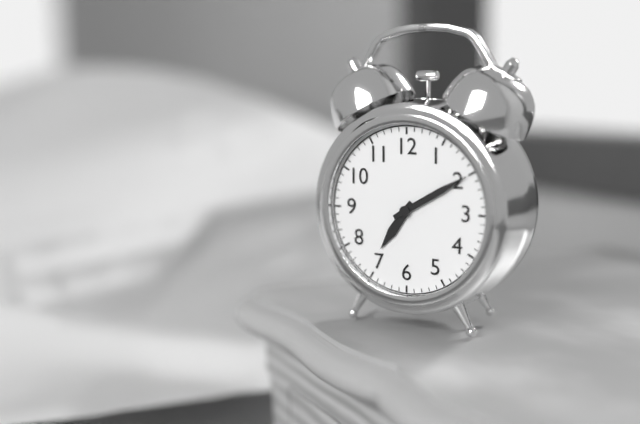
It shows 7:10
